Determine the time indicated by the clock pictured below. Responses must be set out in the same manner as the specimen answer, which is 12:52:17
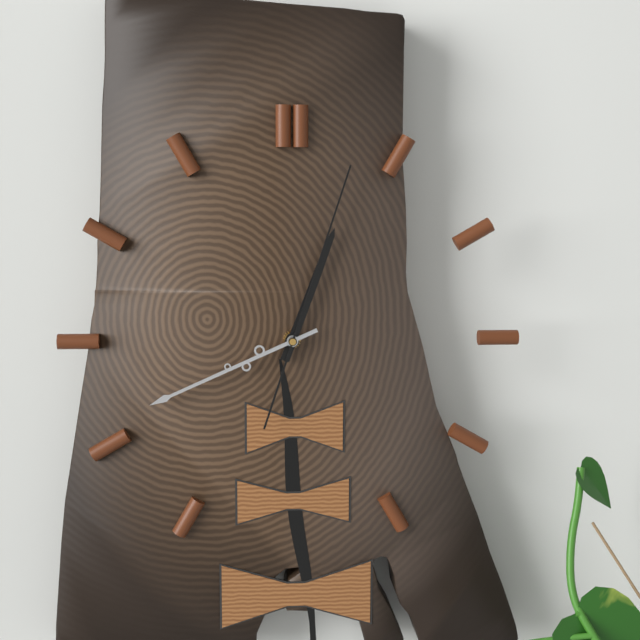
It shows 12:41:03
